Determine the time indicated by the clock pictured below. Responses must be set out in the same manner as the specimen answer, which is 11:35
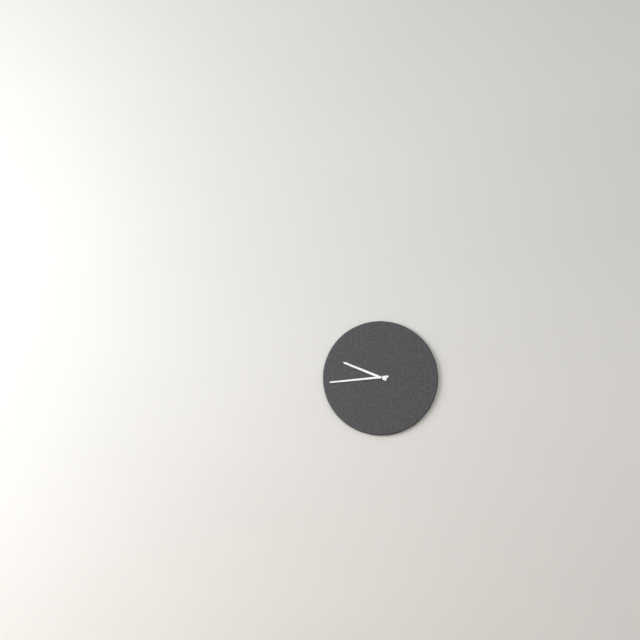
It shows 9:44
